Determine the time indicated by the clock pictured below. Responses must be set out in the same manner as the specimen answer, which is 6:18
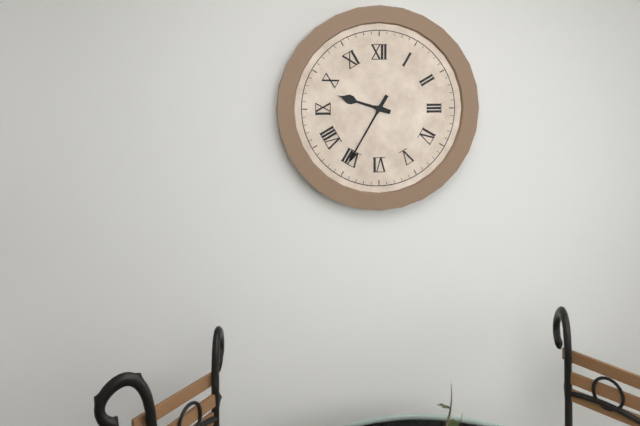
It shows 9:35
